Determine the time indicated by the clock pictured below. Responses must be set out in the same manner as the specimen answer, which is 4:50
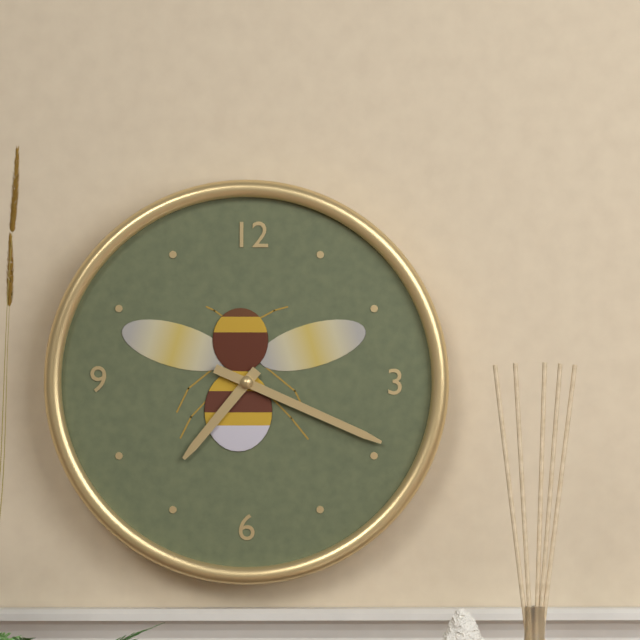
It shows 7:19
